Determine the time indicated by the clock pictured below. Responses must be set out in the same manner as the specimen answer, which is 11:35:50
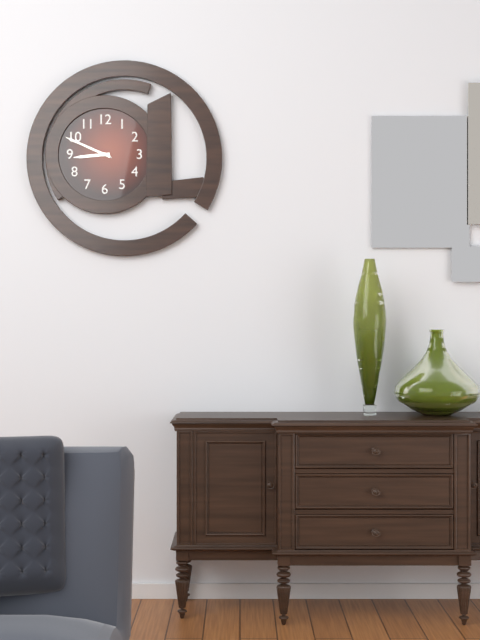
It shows 8:49:49
